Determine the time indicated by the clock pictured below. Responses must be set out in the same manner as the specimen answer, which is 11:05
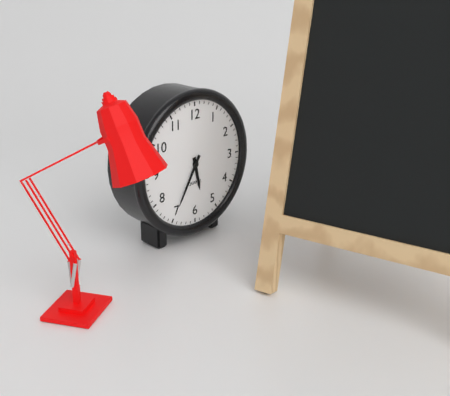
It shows 5:35
